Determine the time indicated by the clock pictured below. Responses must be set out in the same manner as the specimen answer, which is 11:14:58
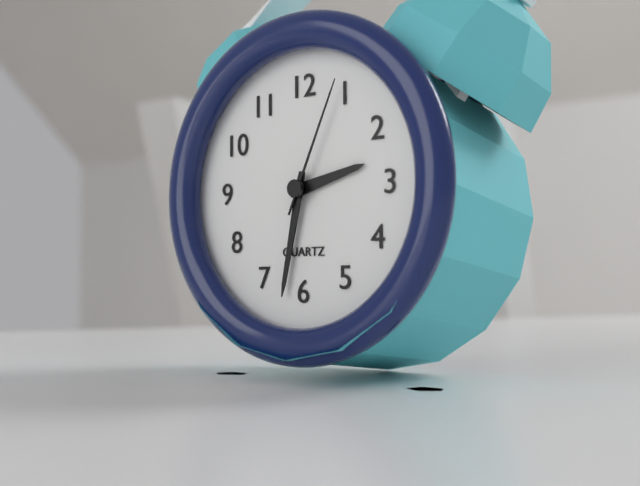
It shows 2:32:04
